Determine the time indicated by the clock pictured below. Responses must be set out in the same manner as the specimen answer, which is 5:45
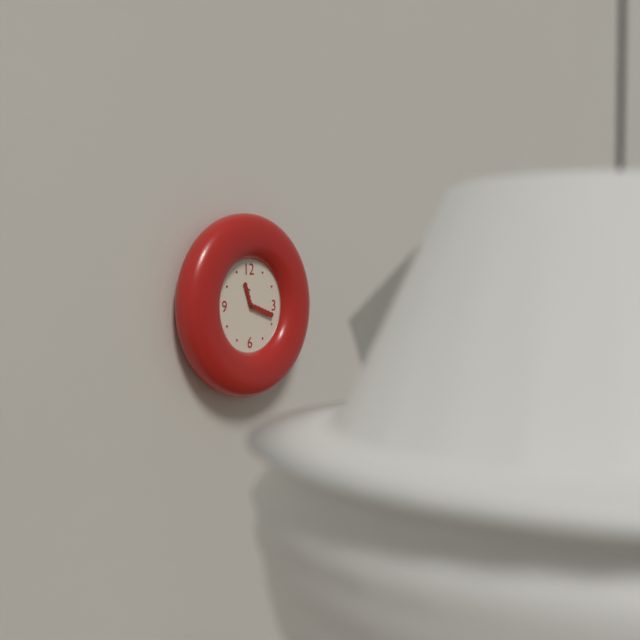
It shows 11:18
